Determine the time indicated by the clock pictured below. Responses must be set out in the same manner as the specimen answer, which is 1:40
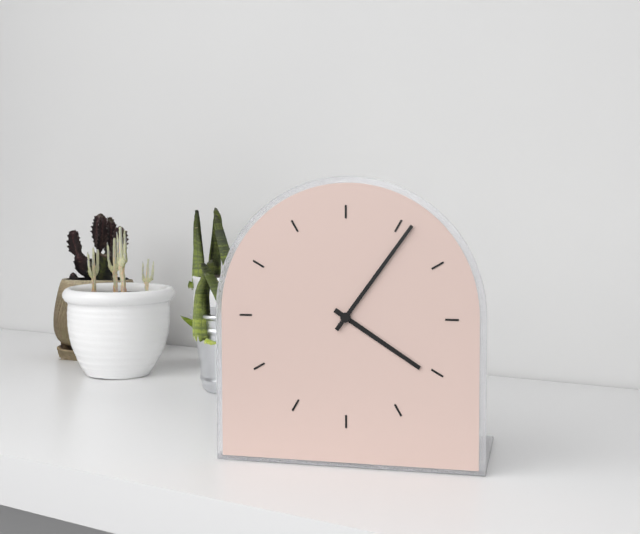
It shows 4:06
